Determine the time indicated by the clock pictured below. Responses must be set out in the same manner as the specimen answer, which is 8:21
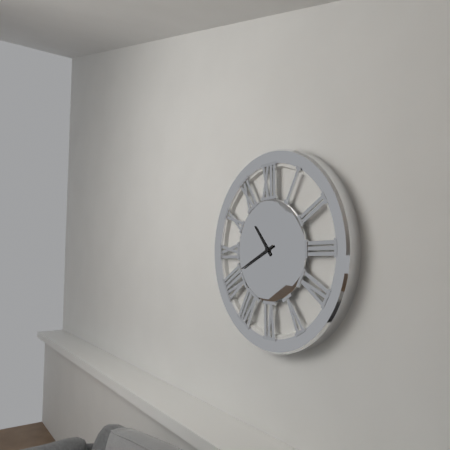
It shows 10:41
